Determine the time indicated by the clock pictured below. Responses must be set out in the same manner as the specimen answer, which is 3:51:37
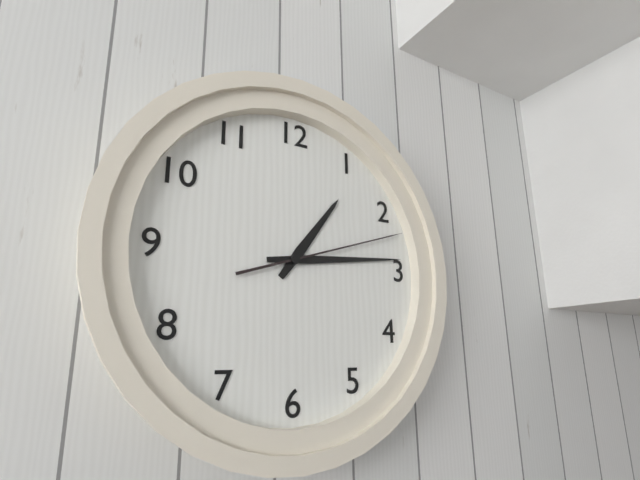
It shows 1:14:12
